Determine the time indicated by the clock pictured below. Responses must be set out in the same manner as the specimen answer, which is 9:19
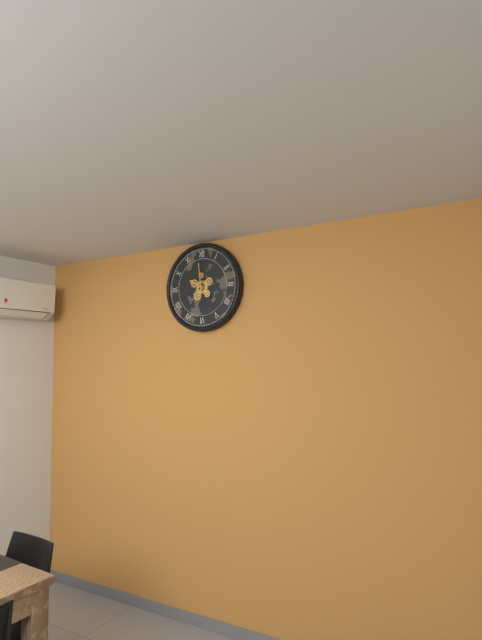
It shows 9:59
